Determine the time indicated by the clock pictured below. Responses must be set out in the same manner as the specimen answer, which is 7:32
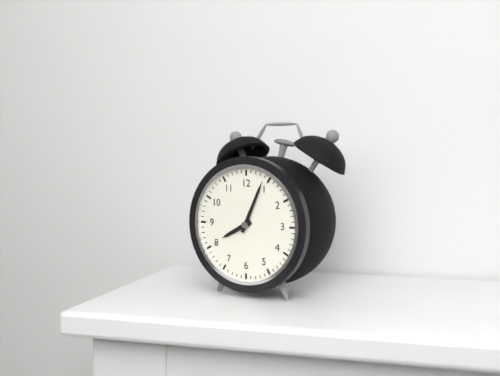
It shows 8:04
